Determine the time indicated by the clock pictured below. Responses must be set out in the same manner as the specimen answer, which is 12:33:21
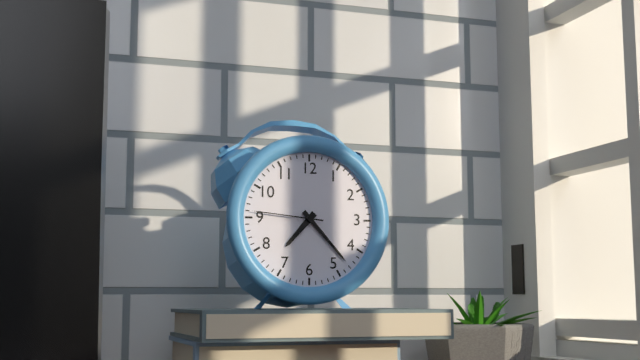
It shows 7:23:46
